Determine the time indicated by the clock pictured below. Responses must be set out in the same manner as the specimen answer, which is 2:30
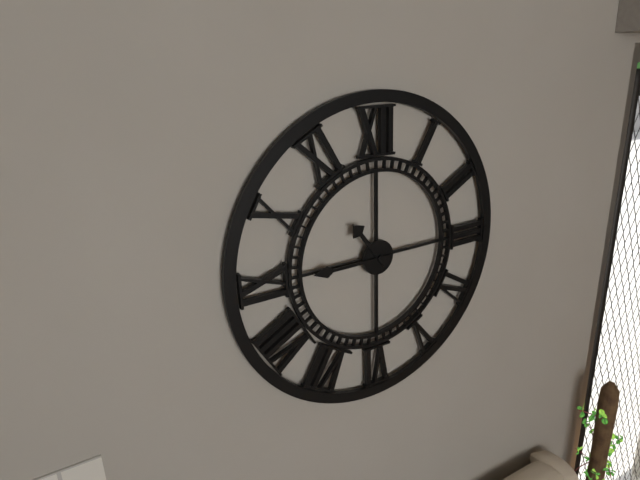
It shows 10:45
